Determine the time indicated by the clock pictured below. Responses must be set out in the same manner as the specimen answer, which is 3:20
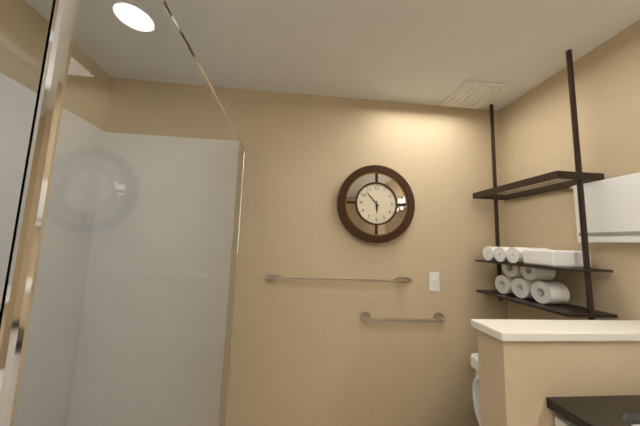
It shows 5:53
